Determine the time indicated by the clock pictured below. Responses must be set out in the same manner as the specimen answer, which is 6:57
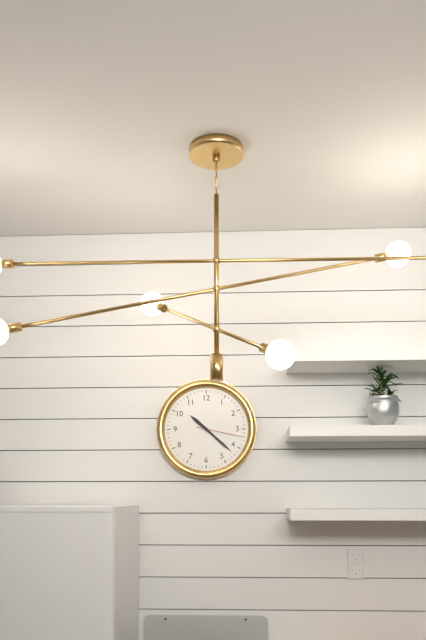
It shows 10:22
